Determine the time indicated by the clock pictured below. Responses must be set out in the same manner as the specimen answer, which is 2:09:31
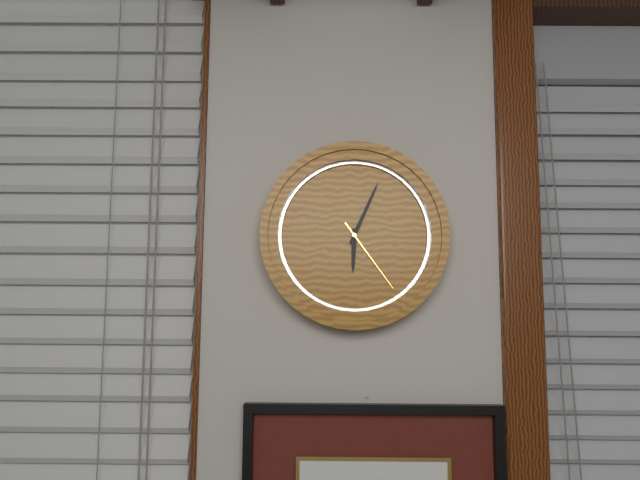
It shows 6:04:24
